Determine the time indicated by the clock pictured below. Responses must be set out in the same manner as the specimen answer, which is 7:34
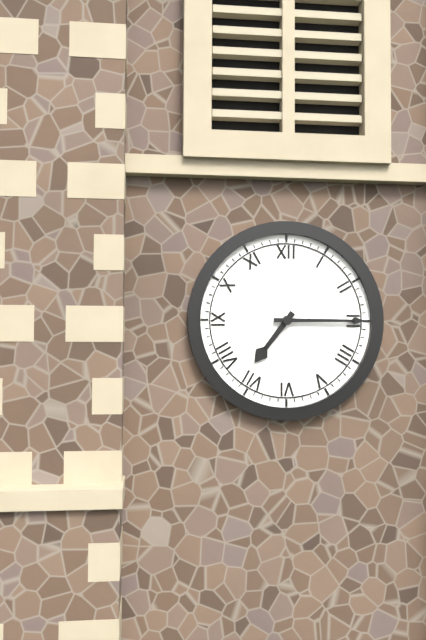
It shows 7:15
